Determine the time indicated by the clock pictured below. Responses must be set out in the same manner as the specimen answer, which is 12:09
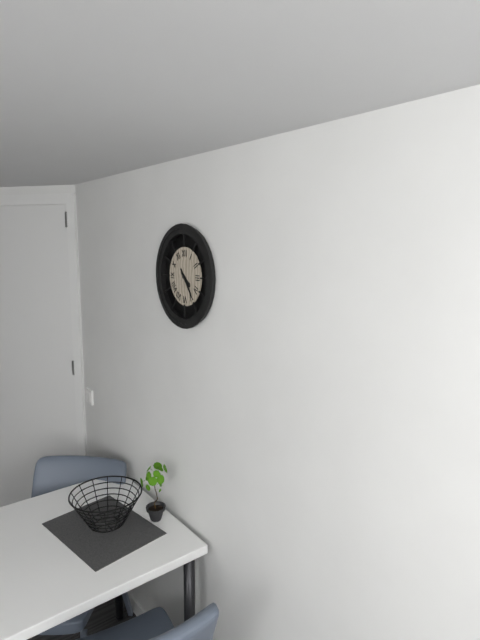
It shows 4:24
